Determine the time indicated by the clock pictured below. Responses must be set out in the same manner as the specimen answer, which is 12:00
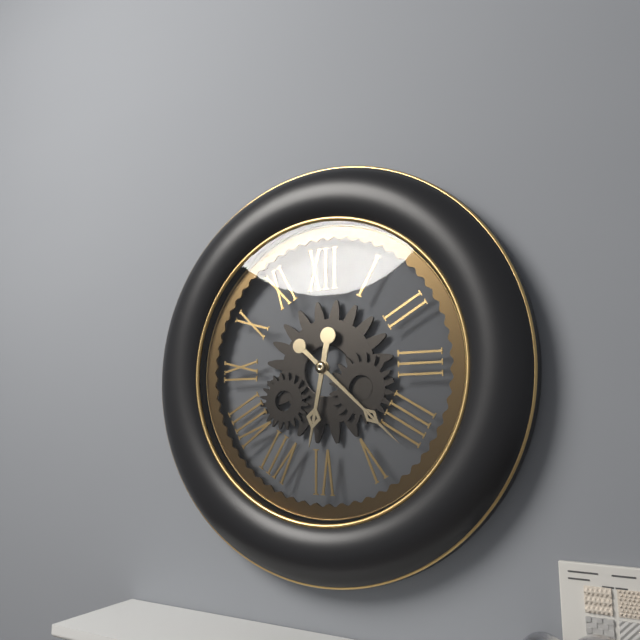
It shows 6:22
